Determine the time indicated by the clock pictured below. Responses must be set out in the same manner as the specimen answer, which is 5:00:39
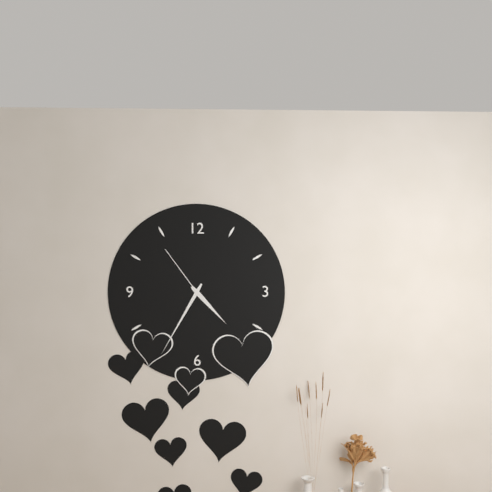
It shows 4:35:54
